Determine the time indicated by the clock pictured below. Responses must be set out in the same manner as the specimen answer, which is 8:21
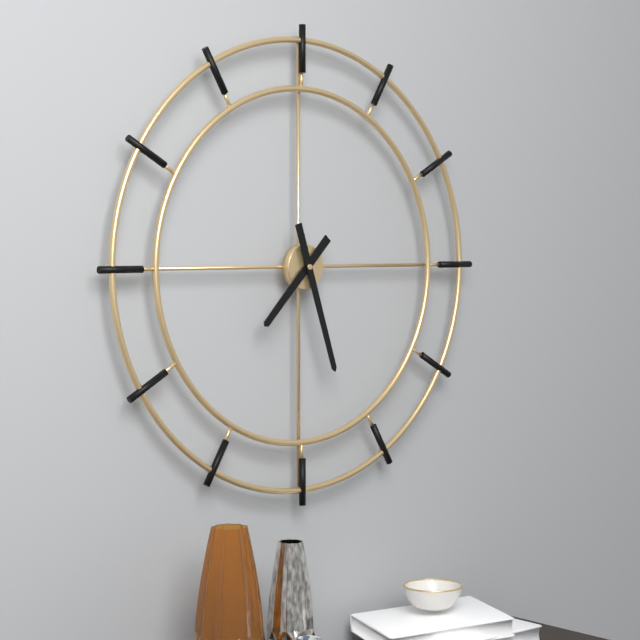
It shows 7:27
